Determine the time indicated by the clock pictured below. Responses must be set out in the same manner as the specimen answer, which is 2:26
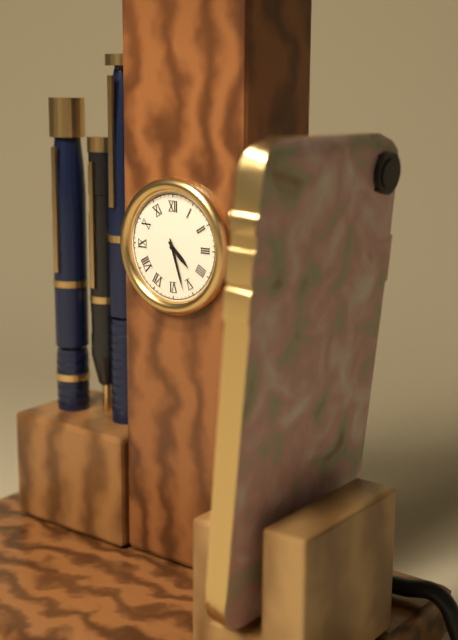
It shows 4:27
